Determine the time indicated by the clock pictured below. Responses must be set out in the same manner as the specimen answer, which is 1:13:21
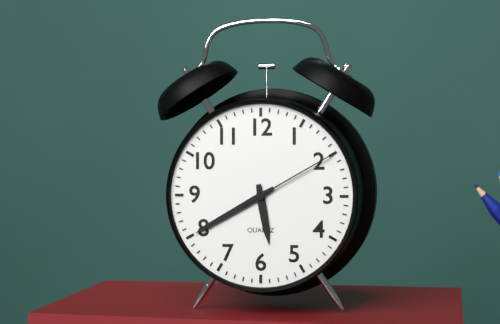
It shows 5:40:10
